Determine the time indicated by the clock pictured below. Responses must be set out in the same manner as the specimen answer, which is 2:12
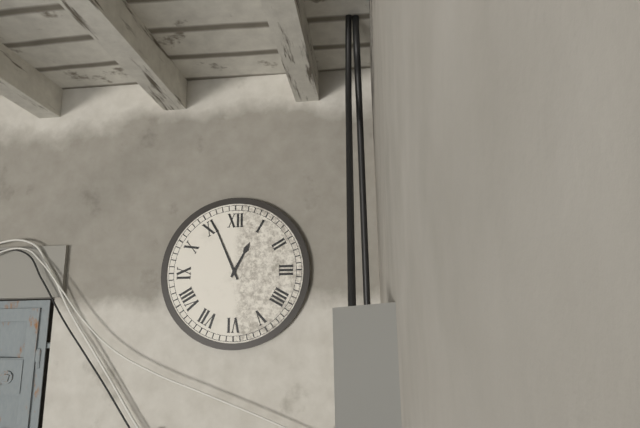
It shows 12:56
